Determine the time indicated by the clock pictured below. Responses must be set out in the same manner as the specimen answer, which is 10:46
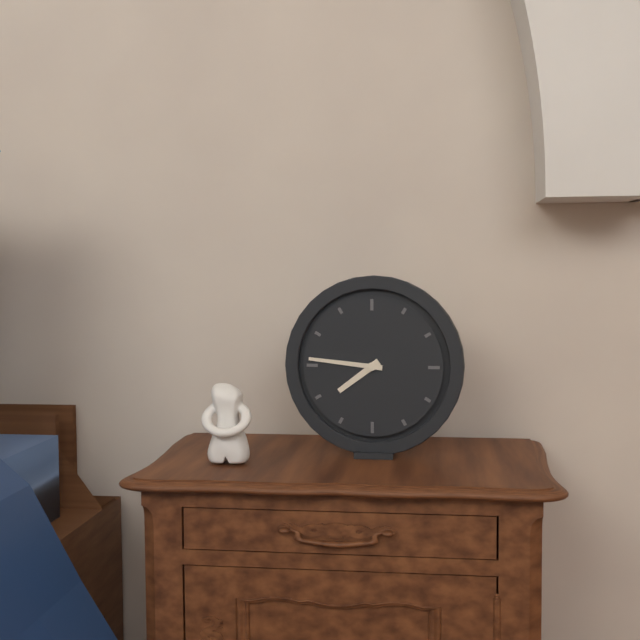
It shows 7:46
